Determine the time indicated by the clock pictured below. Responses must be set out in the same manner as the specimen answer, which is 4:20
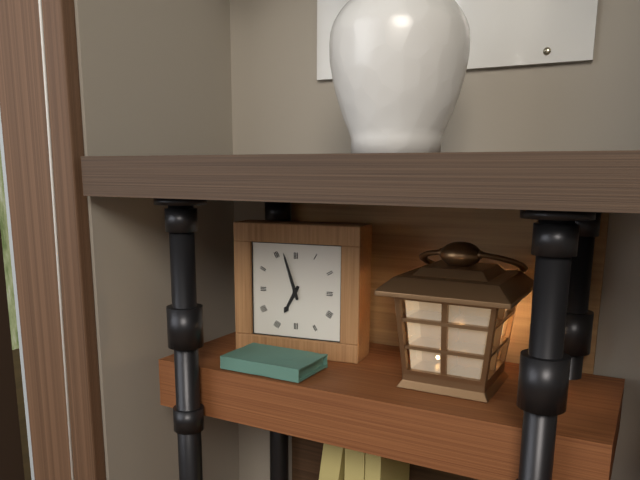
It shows 6:57
